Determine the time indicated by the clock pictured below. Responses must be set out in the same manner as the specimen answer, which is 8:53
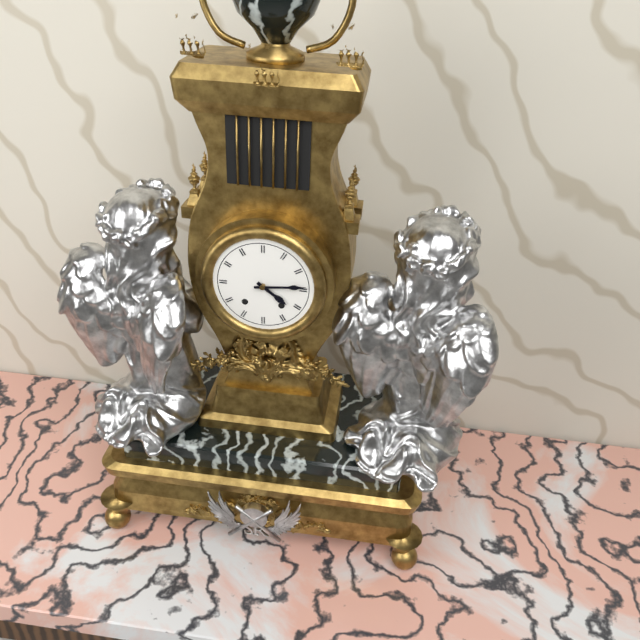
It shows 4:14
